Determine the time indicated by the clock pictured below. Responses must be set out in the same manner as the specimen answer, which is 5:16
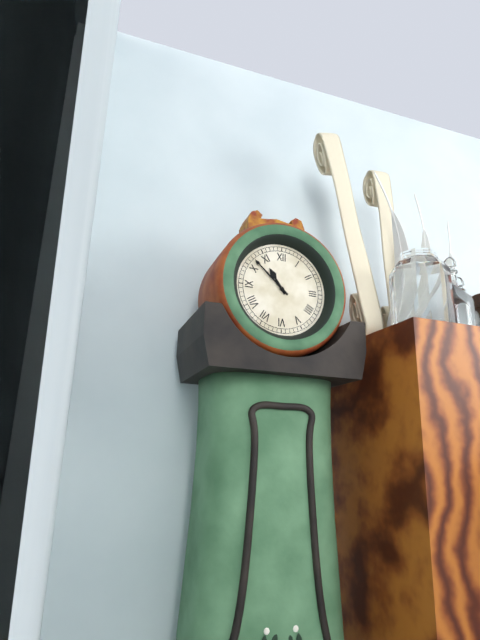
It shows 10:52
